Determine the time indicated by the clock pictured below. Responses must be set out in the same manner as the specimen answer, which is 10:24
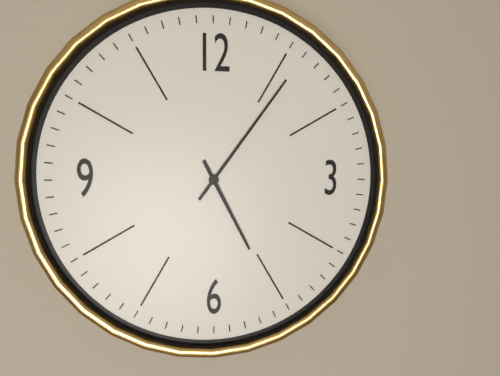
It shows 5:06
